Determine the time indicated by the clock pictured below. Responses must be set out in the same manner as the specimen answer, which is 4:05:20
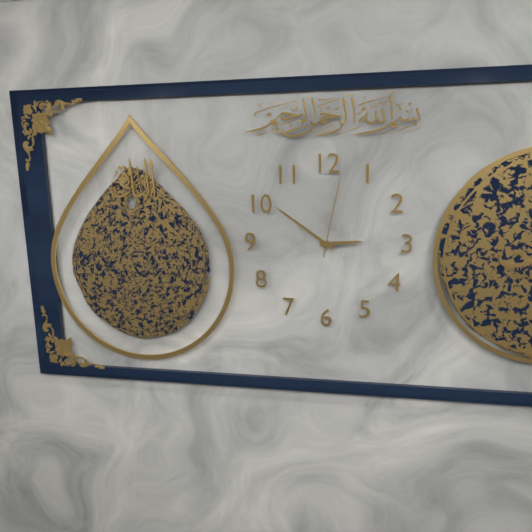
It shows 2:51:02
